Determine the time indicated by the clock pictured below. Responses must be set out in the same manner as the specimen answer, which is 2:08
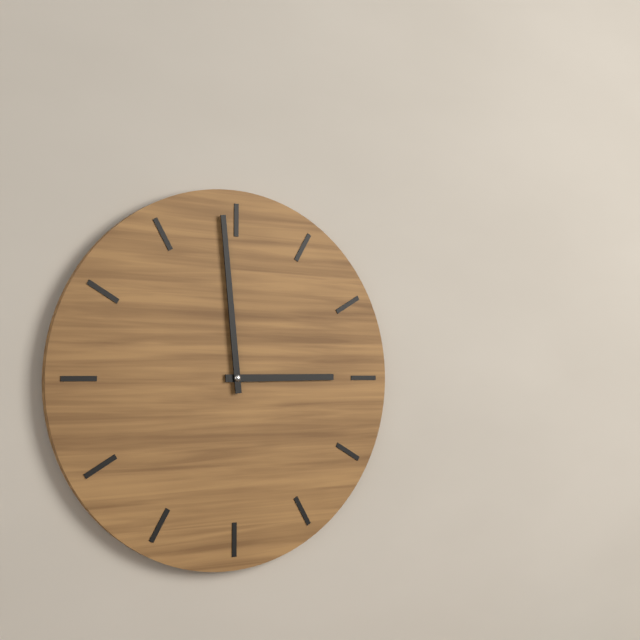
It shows 2:59
